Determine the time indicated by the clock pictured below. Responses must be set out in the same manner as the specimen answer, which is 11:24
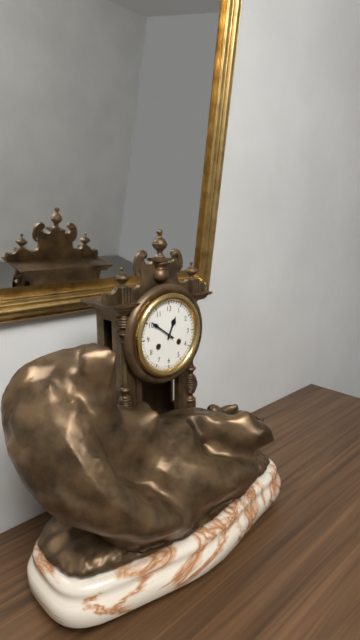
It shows 12:51
